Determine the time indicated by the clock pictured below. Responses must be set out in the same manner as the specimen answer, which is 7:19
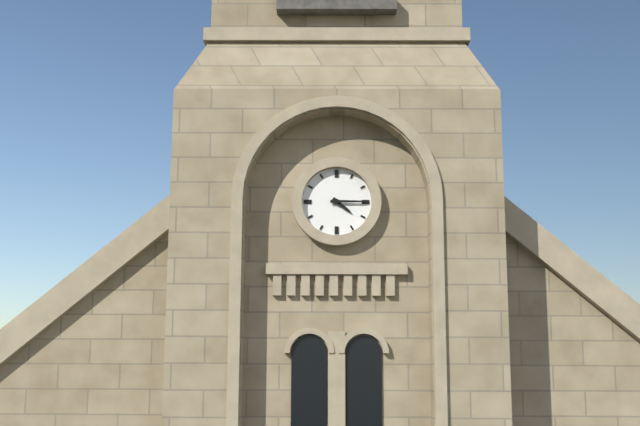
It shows 4:15
